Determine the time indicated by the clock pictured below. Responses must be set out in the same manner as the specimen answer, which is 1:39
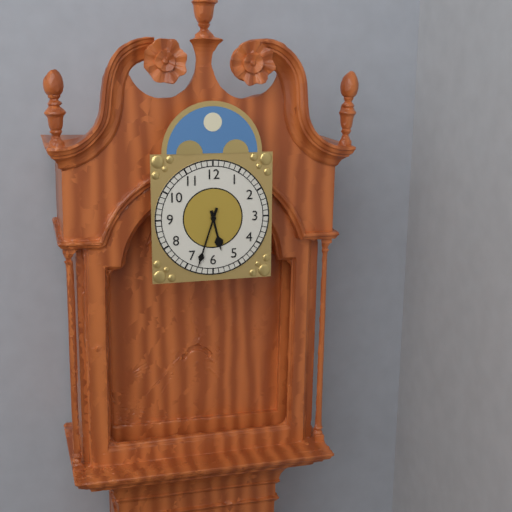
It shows 5:33
